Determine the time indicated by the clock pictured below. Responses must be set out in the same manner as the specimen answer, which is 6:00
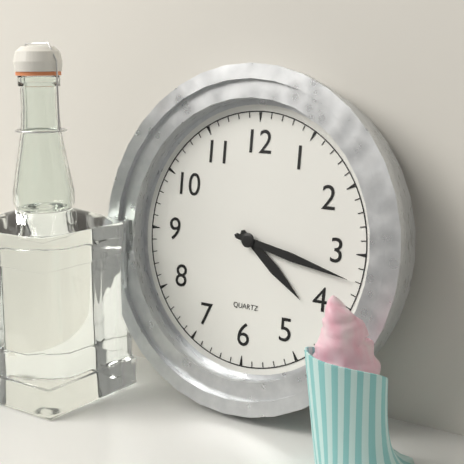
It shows 4:17
